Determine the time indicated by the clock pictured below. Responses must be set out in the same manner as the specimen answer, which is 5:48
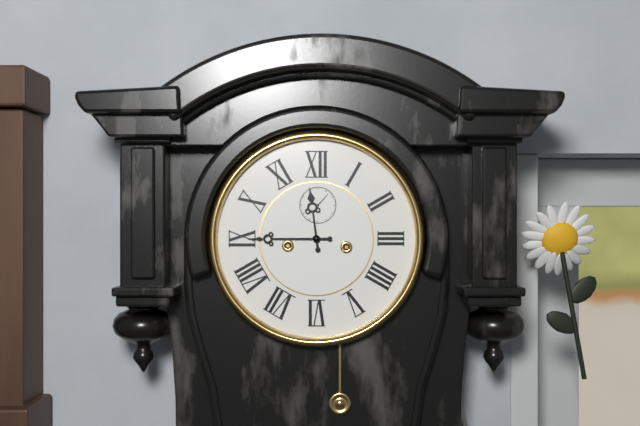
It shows 11:45
